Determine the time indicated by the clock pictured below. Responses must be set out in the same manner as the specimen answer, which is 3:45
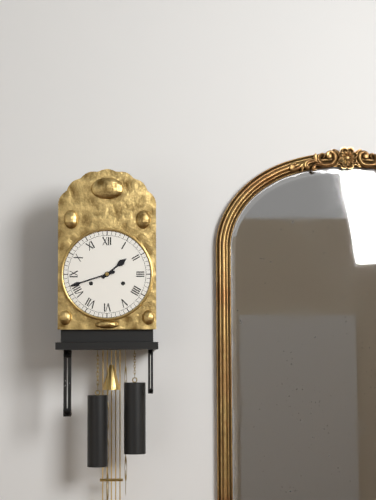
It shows 1:42
